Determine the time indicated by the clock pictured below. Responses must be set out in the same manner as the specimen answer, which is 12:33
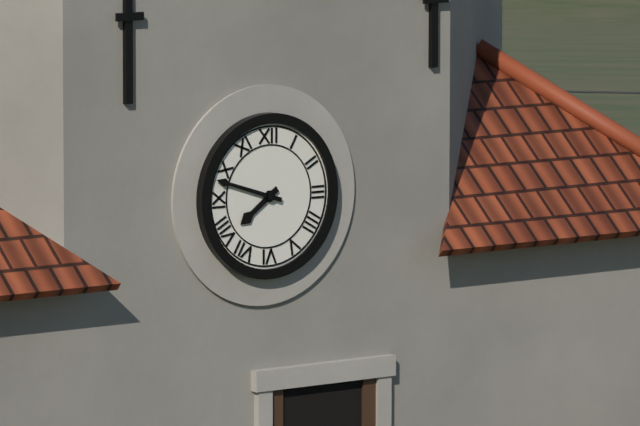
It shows 7:48
